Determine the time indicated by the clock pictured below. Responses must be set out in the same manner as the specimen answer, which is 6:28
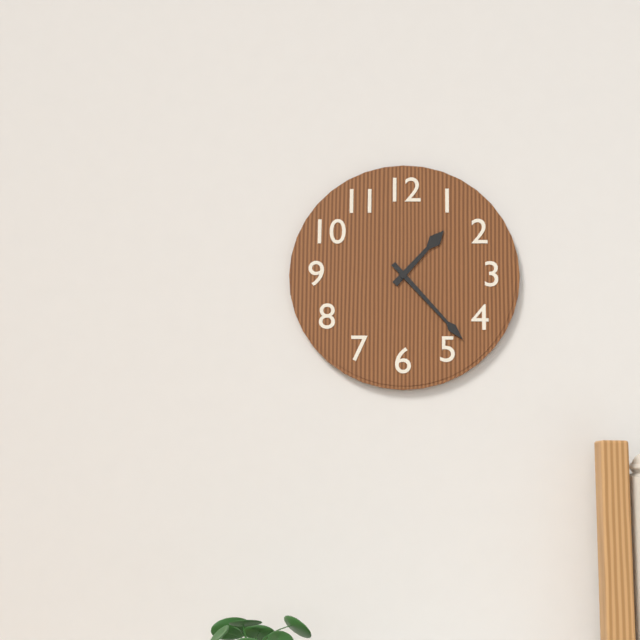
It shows 1:23
